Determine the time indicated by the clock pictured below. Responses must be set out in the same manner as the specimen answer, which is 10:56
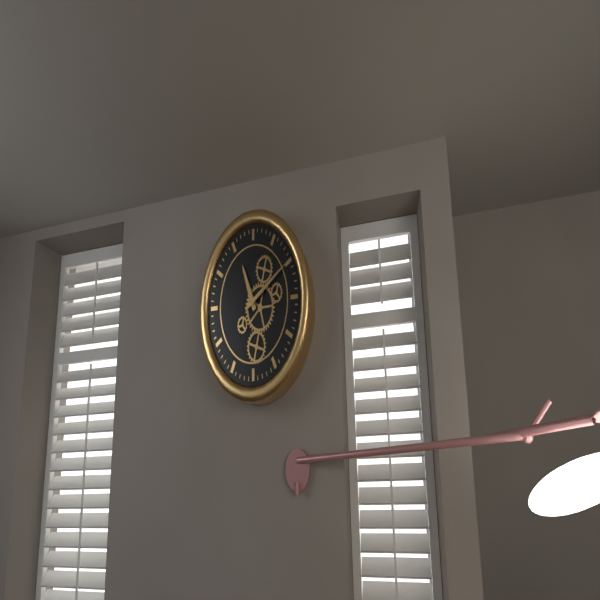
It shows 11:10
